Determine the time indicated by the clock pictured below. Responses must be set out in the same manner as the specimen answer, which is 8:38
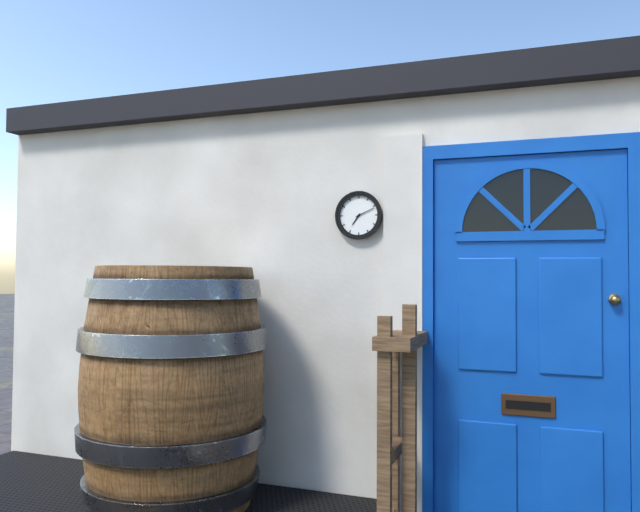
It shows 7:11
